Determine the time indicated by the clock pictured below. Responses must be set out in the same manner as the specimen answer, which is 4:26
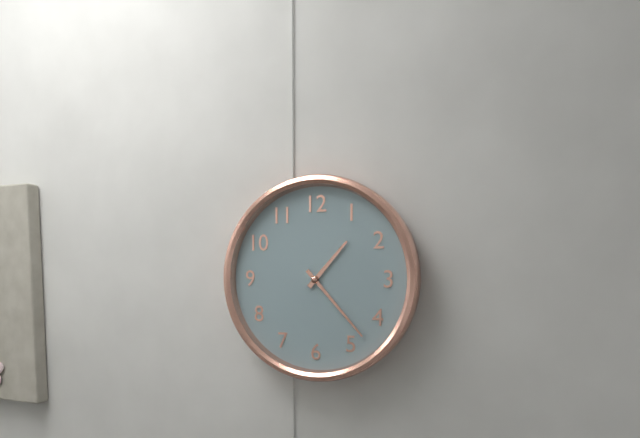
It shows 1:23
